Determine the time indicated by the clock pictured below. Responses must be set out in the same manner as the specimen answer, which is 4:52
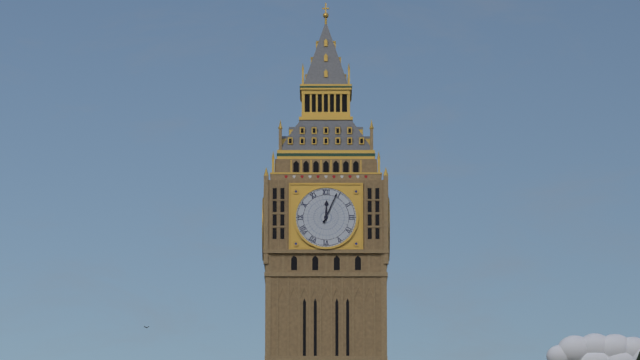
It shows 12:04
